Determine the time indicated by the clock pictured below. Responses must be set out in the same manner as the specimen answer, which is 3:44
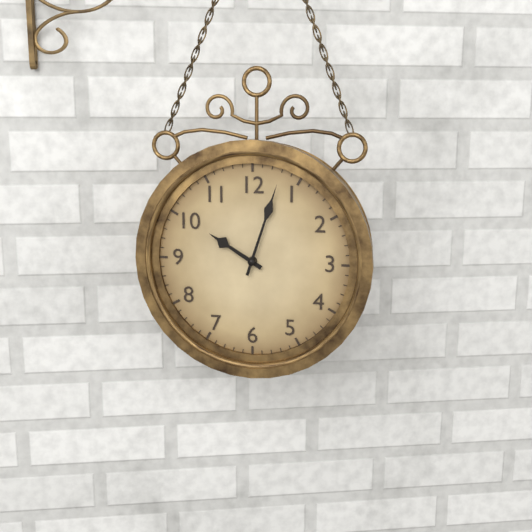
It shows 10:03
